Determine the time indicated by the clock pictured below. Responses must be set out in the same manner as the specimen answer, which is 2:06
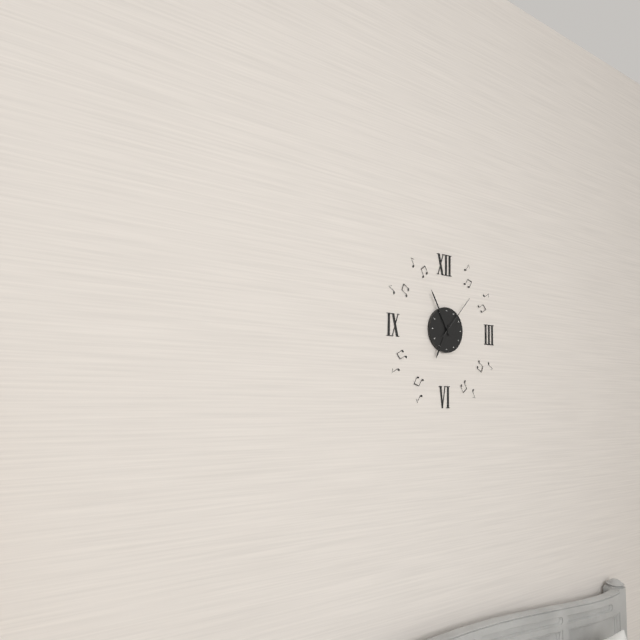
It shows 6:55
